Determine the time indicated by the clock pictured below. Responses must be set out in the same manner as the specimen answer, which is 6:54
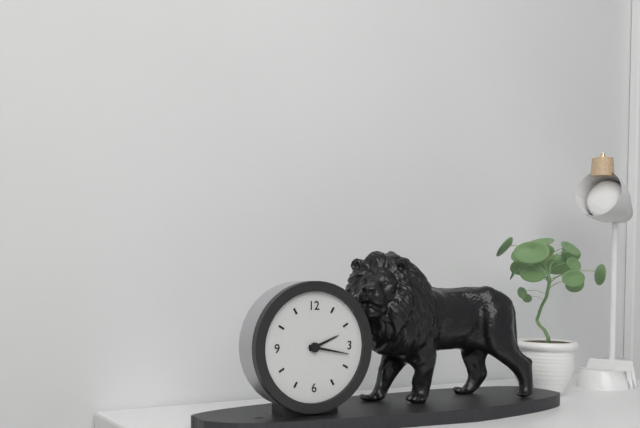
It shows 2:17
